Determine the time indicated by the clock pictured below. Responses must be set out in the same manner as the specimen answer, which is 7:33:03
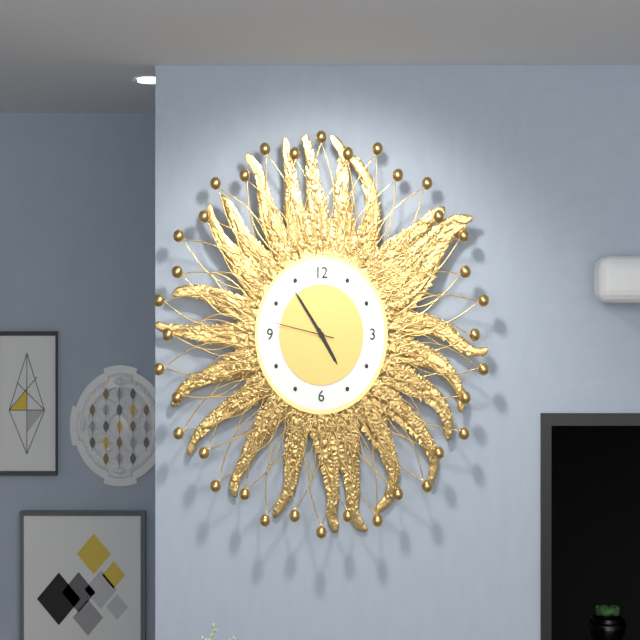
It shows 4:54:47
